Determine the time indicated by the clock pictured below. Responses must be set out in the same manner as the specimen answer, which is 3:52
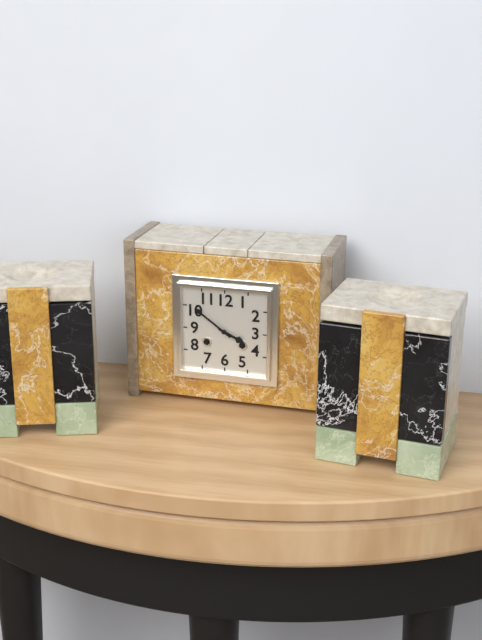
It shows 3:51
